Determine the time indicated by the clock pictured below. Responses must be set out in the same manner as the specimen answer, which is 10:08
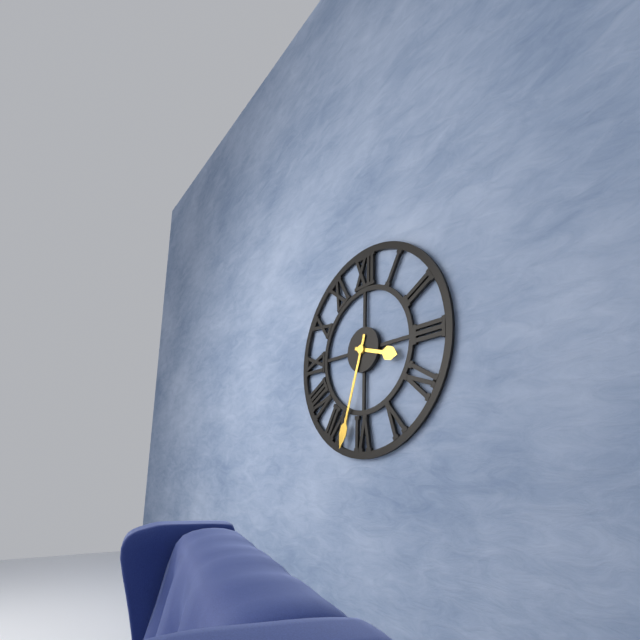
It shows 3:33
